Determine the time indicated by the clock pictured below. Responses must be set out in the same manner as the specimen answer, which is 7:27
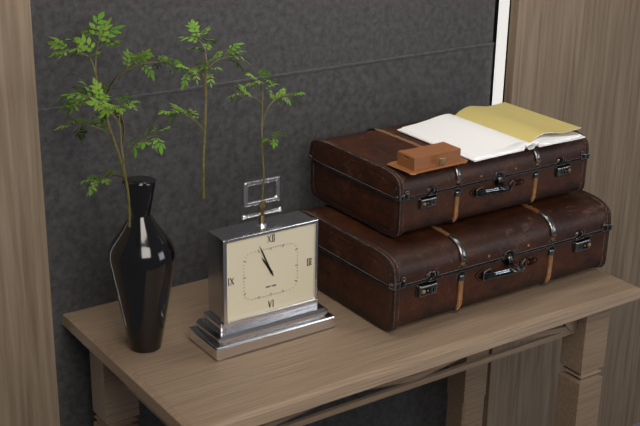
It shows 10:56
